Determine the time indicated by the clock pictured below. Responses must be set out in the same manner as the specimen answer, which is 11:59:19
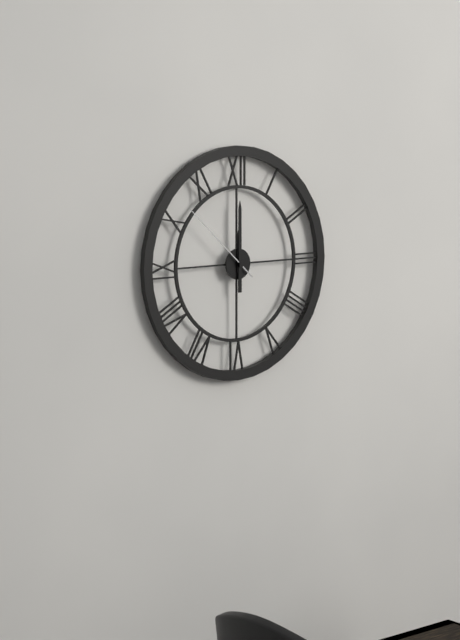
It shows 12:00:52
